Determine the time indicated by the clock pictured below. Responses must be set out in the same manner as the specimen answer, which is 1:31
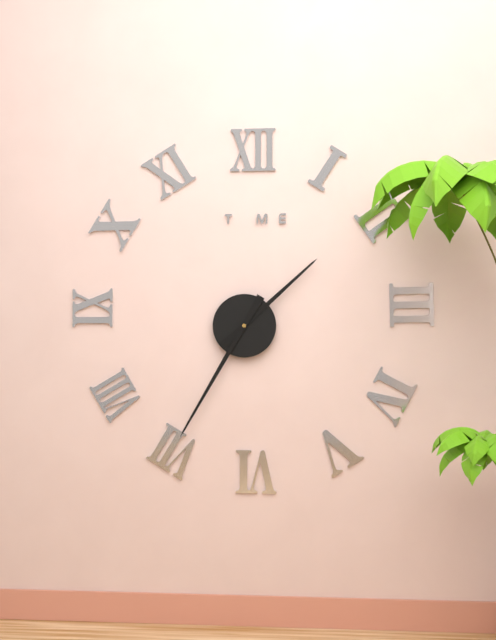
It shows 1:35
